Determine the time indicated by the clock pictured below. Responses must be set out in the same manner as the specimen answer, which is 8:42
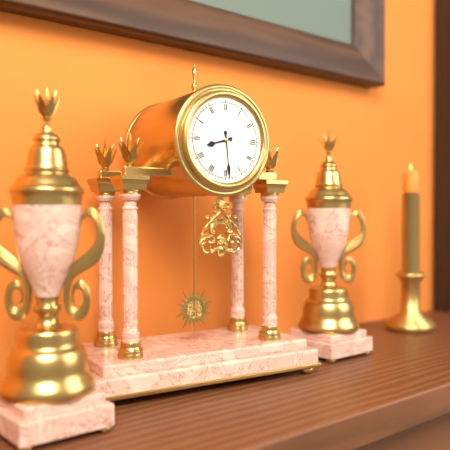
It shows 8:29
